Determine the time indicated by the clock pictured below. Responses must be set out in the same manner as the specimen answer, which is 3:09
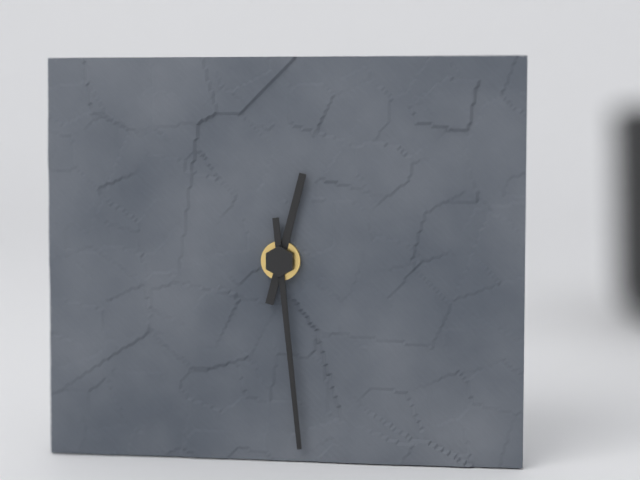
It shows 12:29
